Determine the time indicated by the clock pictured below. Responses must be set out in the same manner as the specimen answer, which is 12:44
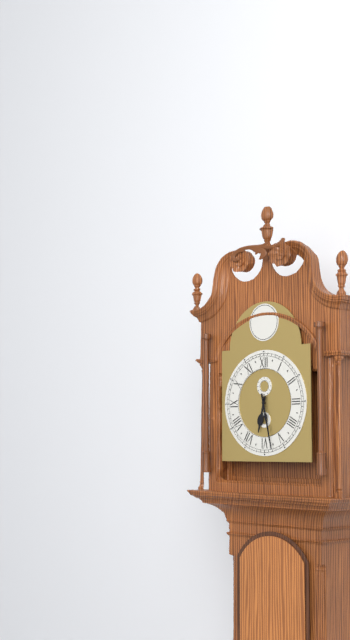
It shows 6:28
